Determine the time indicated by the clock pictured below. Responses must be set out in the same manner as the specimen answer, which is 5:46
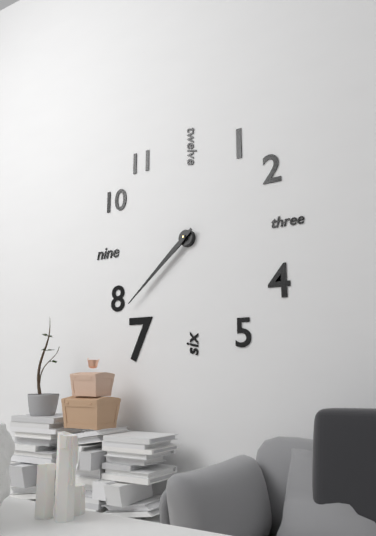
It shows 7:38
